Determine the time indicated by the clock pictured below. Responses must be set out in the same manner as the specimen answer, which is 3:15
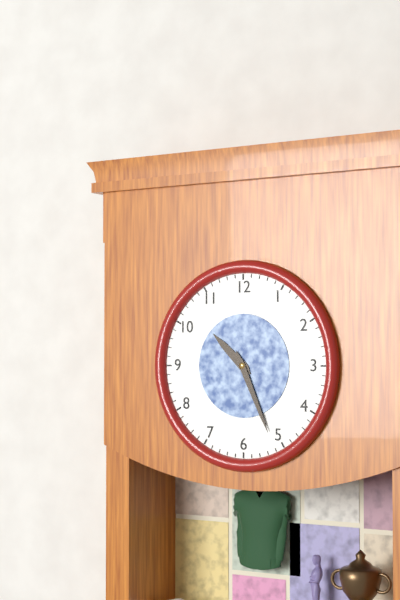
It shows 10:26
